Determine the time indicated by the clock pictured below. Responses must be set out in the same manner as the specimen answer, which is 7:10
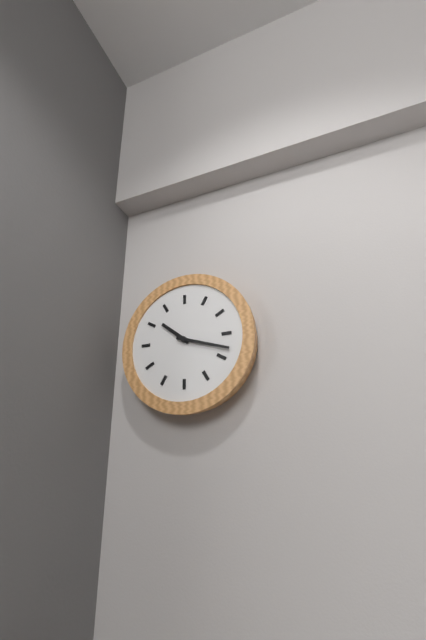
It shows 10:18
